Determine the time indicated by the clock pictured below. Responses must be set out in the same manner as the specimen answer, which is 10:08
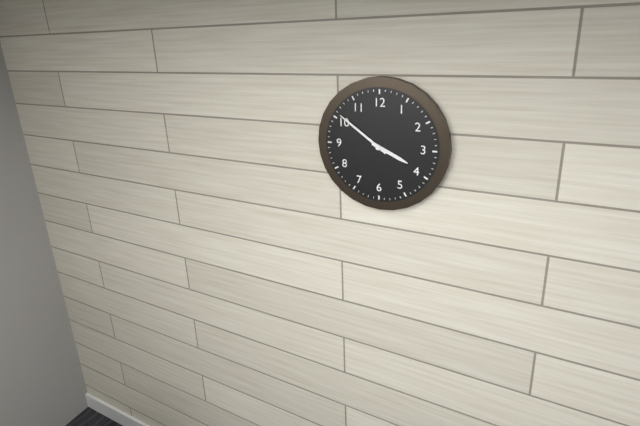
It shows 3:51
